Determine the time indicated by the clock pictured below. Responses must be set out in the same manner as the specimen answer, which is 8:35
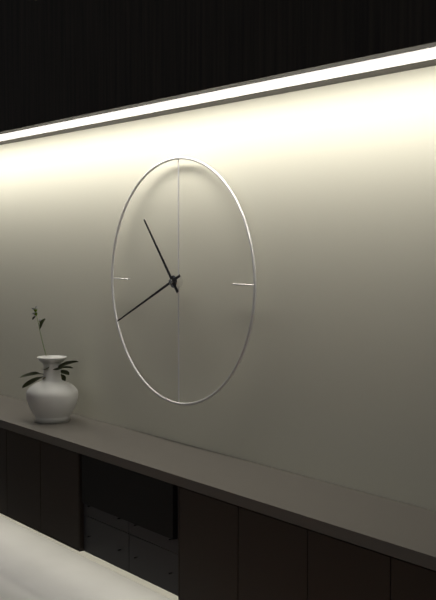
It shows 10:41
